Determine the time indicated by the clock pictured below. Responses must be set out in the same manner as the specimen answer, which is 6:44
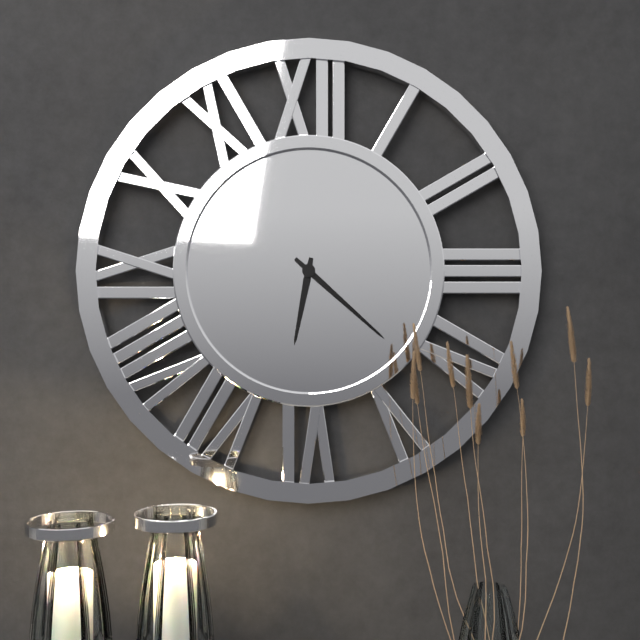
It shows 6:22
